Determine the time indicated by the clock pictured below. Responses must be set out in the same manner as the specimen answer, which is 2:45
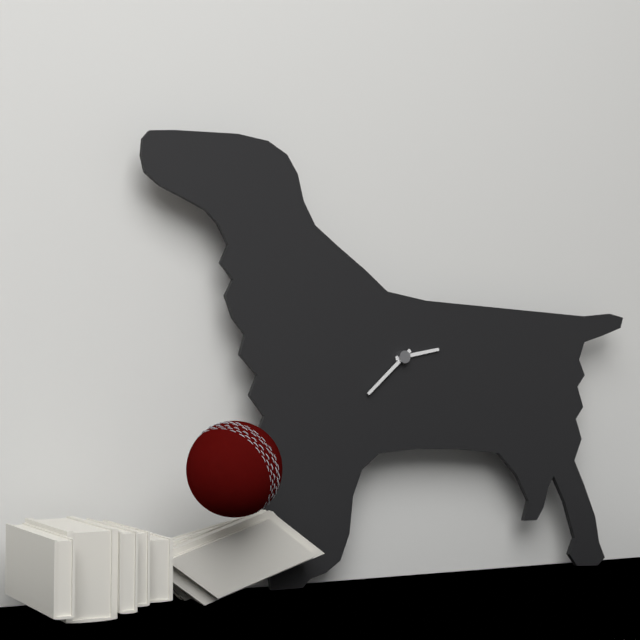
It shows 2:38
